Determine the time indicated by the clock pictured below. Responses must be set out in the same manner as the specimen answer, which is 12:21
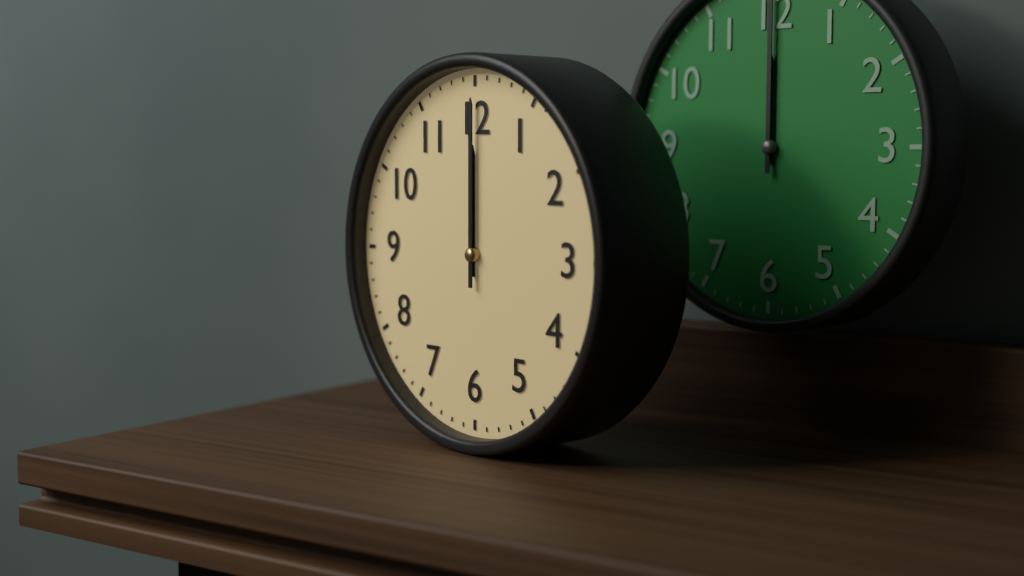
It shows 12:00
